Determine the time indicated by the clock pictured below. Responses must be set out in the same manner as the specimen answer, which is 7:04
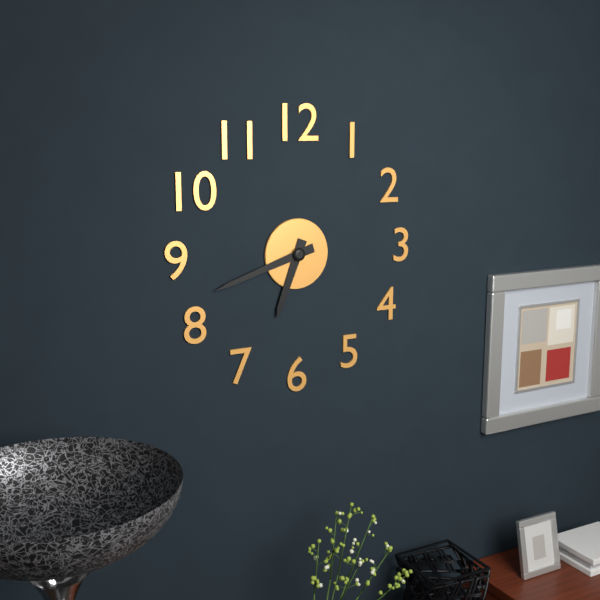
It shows 6:42
